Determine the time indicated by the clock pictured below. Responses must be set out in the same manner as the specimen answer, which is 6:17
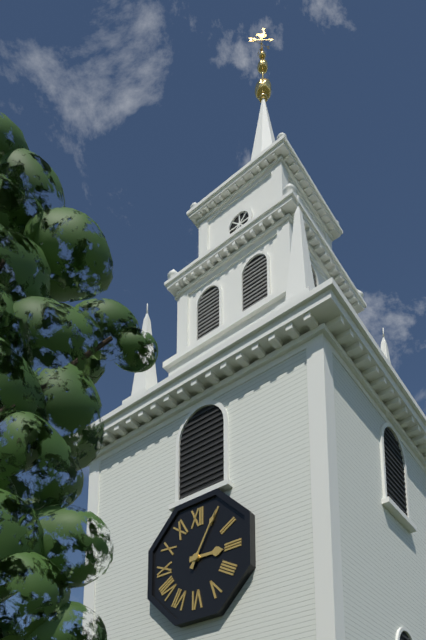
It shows 3:05
